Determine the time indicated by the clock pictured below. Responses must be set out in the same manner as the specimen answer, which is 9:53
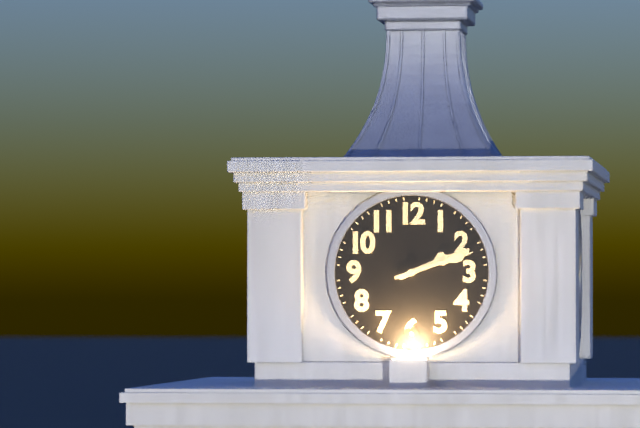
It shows 2:12
